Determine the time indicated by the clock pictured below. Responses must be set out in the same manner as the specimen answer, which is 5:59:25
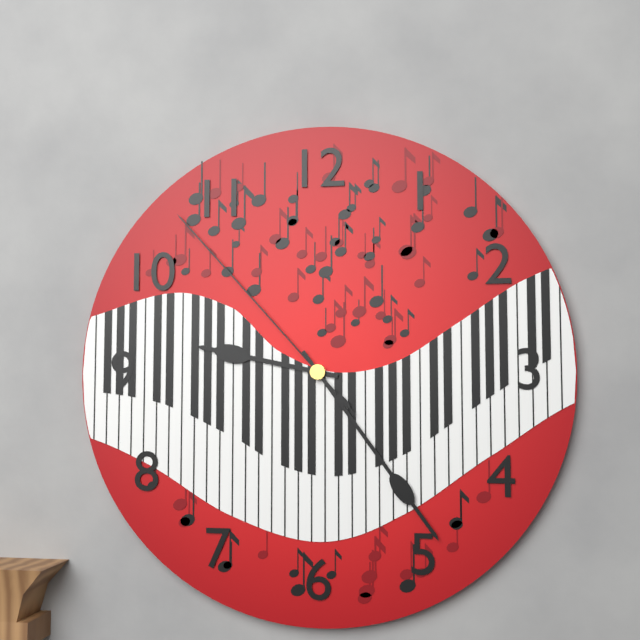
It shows 9:24:53
